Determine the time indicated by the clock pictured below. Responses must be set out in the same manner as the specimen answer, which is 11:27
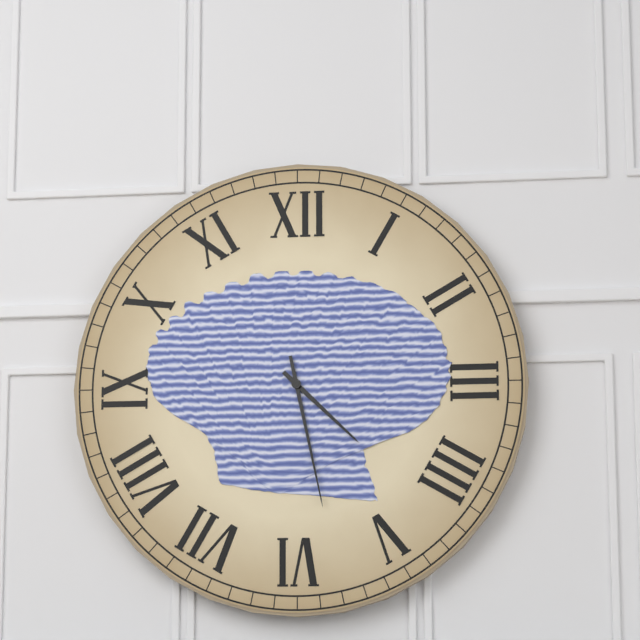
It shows 4:28
